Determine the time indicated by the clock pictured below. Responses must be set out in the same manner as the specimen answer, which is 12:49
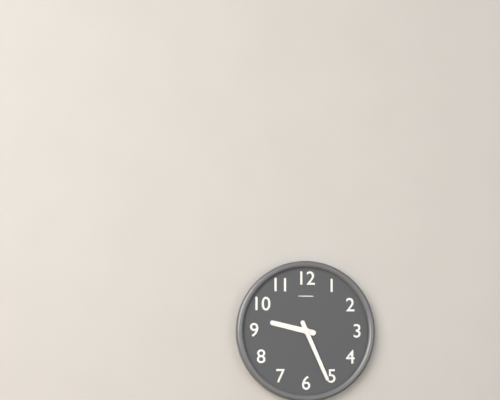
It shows 9:26
